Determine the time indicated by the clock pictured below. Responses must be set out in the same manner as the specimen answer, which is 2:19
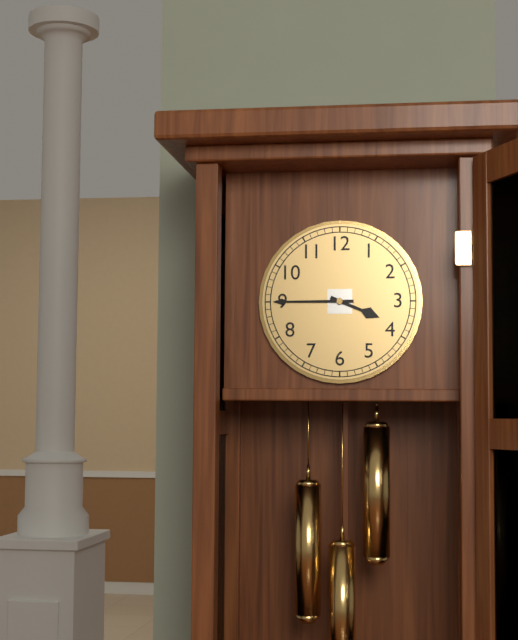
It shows 3:45
